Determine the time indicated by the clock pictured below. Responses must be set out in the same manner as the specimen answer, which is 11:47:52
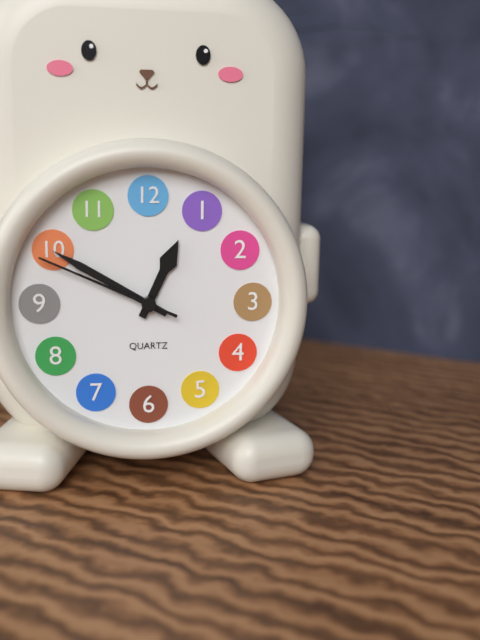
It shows 12:50:49
